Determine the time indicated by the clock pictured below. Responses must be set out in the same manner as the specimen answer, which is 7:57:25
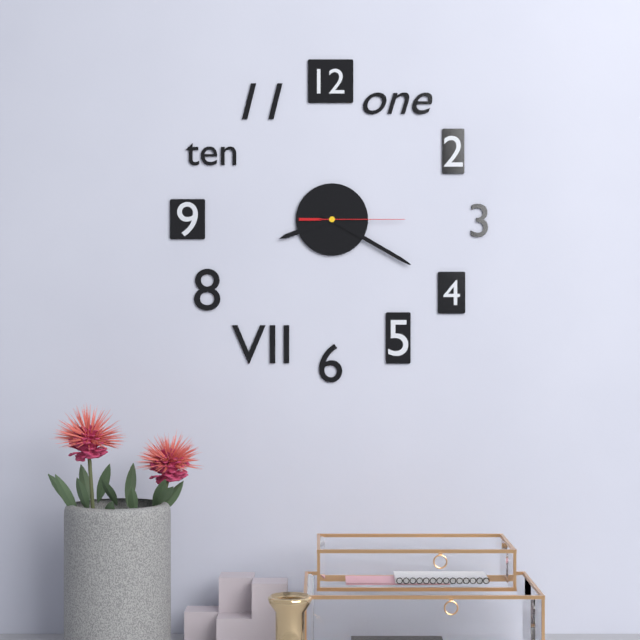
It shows 8:20:15
